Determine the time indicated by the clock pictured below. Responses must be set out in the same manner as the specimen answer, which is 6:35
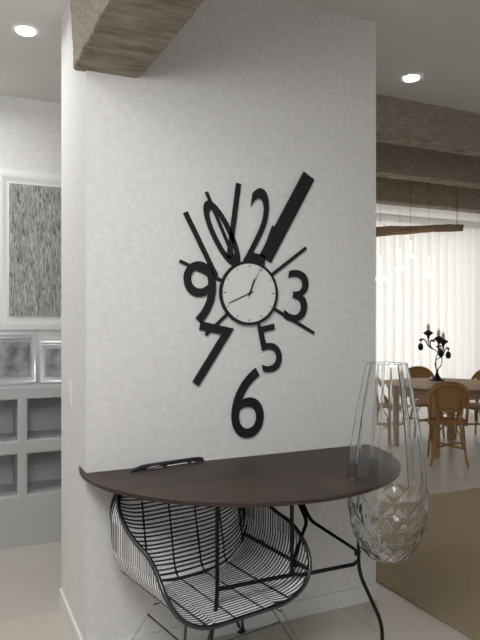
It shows 12:41
